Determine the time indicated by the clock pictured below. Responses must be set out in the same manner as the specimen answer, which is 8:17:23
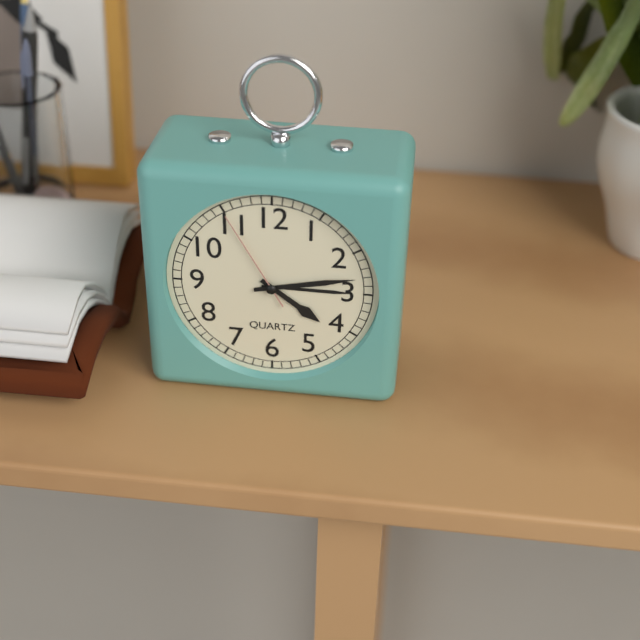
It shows 4:13:55
